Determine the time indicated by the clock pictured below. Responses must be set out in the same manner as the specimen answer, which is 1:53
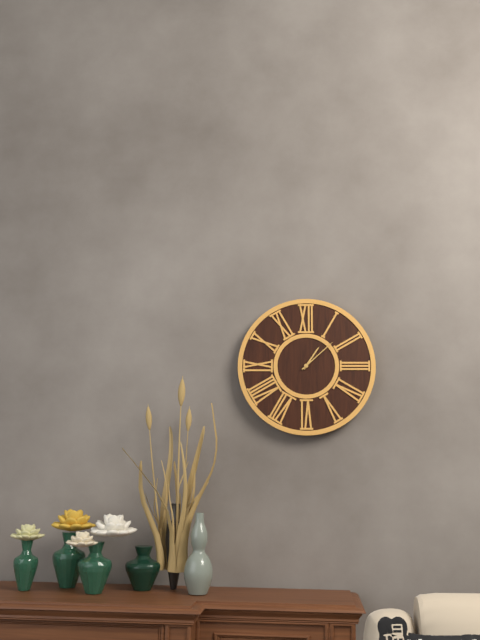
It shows 1:08
